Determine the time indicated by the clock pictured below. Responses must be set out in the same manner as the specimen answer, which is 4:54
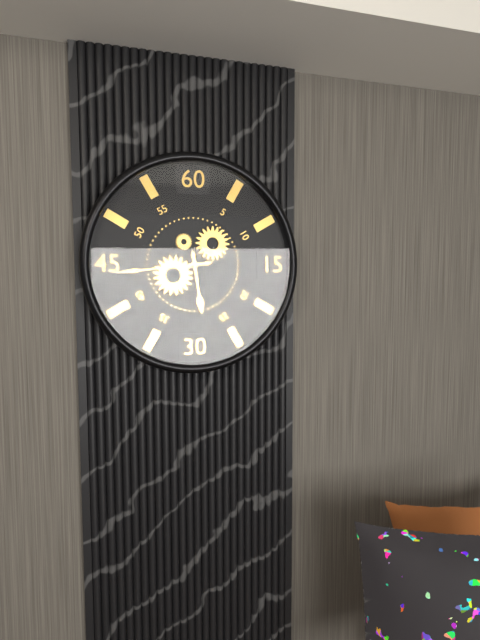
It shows 5:44
